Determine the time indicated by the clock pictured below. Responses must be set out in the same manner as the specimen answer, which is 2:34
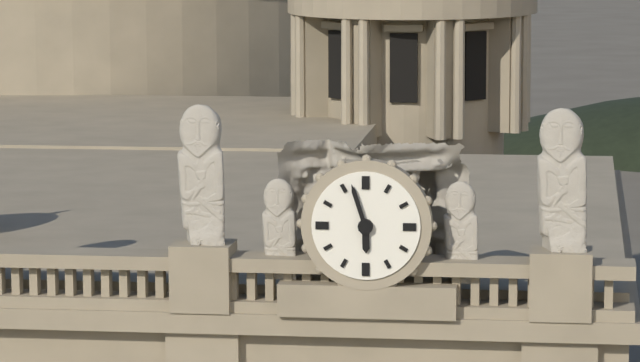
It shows 5:57
